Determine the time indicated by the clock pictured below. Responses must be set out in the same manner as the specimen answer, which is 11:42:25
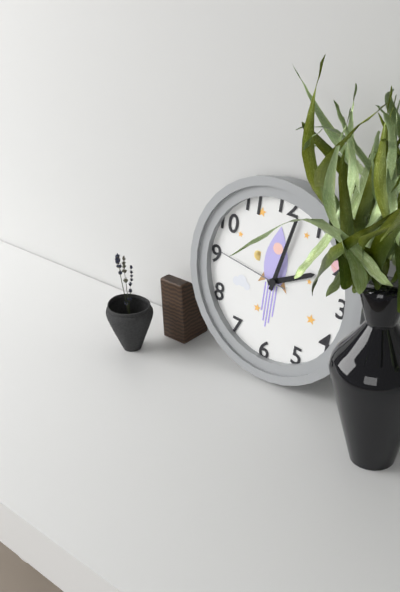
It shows 2:02:46
